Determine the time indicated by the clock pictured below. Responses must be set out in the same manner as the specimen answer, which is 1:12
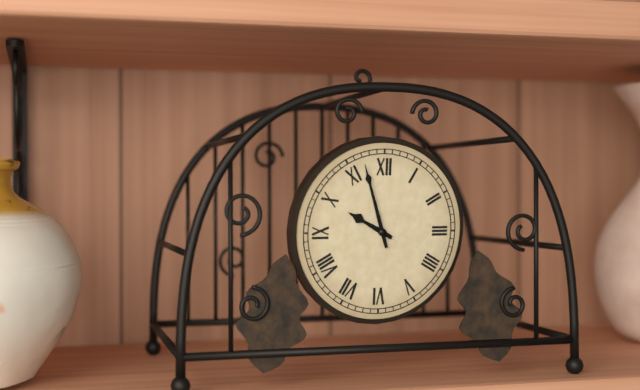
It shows 9:57
